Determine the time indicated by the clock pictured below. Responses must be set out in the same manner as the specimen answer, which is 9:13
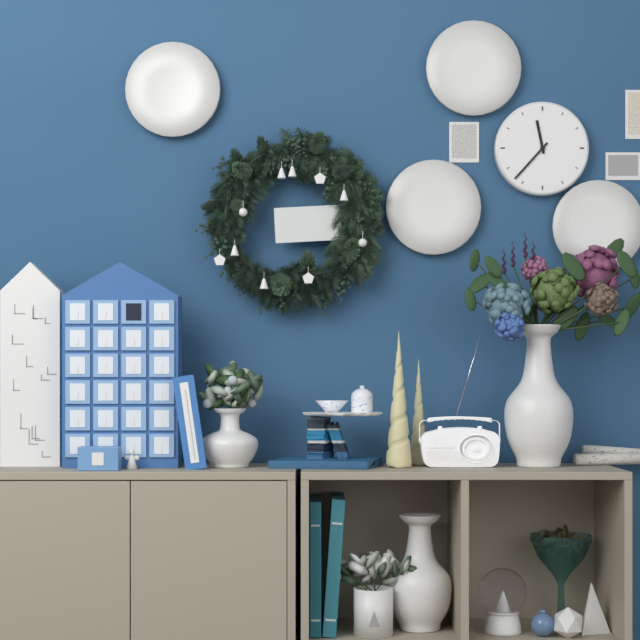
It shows 11:37
